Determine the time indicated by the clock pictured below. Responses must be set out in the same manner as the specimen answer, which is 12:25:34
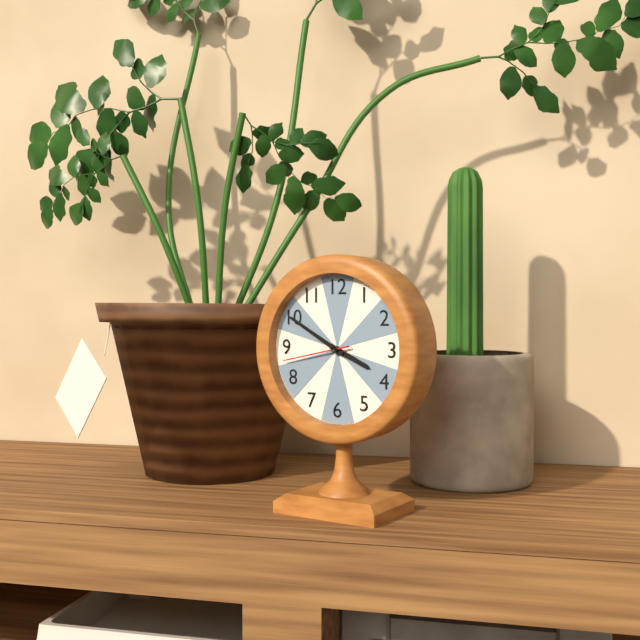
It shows 3:50:43
